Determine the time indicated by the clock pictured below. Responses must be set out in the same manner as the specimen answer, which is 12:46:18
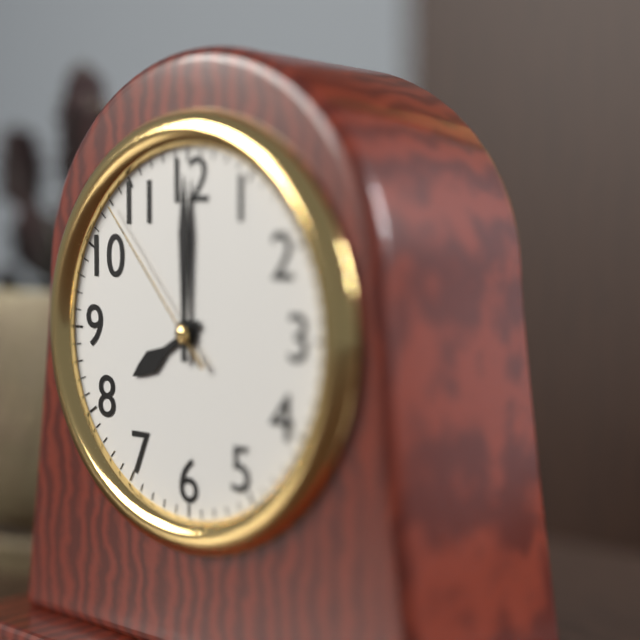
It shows 8:00:53
